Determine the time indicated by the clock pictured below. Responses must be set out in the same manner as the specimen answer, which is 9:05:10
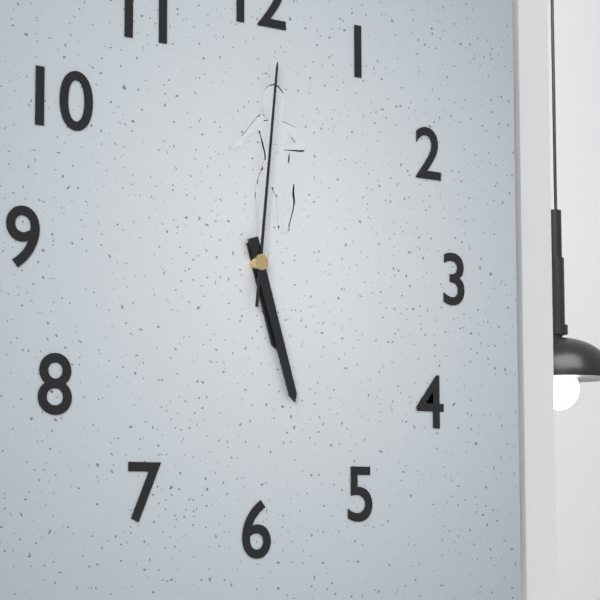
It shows 5:27:01
